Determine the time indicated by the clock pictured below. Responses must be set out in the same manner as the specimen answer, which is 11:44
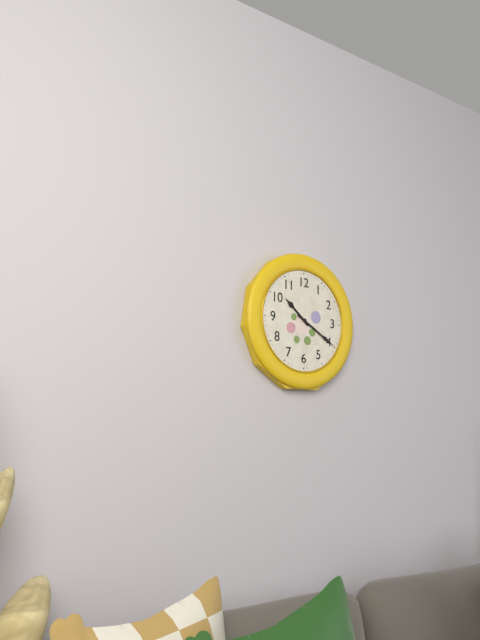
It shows 10:20
